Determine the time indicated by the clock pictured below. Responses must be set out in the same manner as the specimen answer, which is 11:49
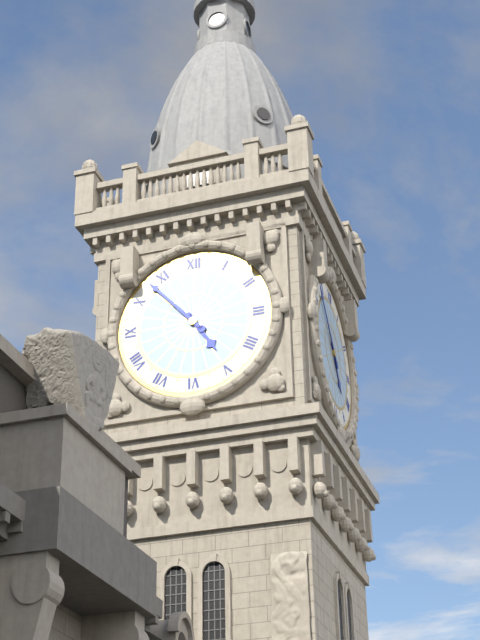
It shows 4:53
